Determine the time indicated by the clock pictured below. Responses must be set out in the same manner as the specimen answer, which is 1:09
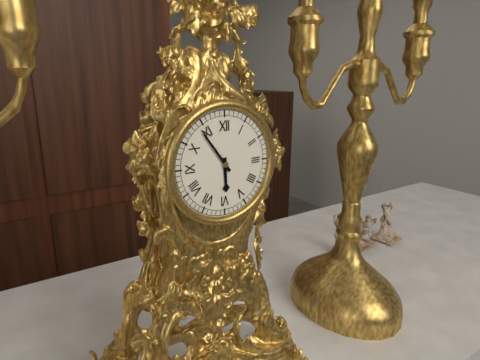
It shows 5:54
